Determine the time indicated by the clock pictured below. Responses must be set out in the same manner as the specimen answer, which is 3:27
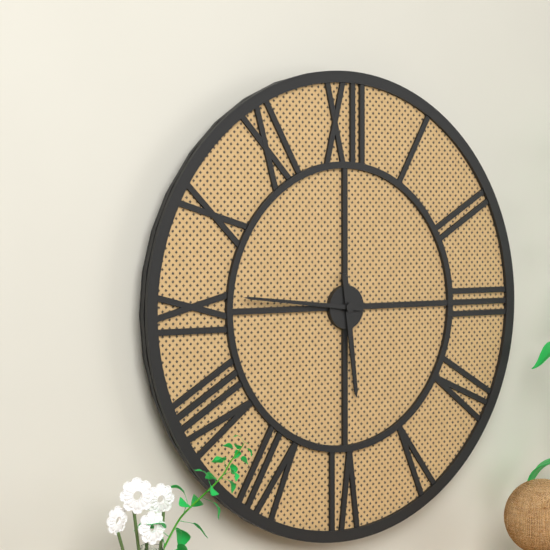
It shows 5:46
